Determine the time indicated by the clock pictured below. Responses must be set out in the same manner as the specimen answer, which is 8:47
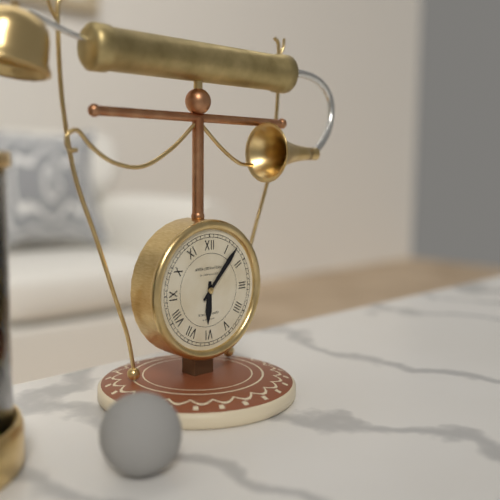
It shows 6:07
